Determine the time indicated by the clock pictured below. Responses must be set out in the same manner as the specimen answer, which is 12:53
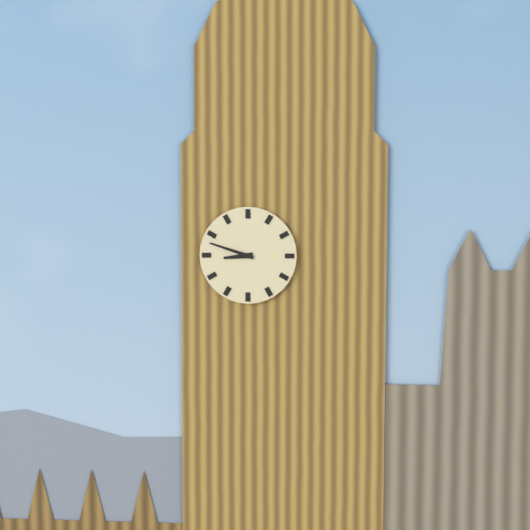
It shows 8:48
